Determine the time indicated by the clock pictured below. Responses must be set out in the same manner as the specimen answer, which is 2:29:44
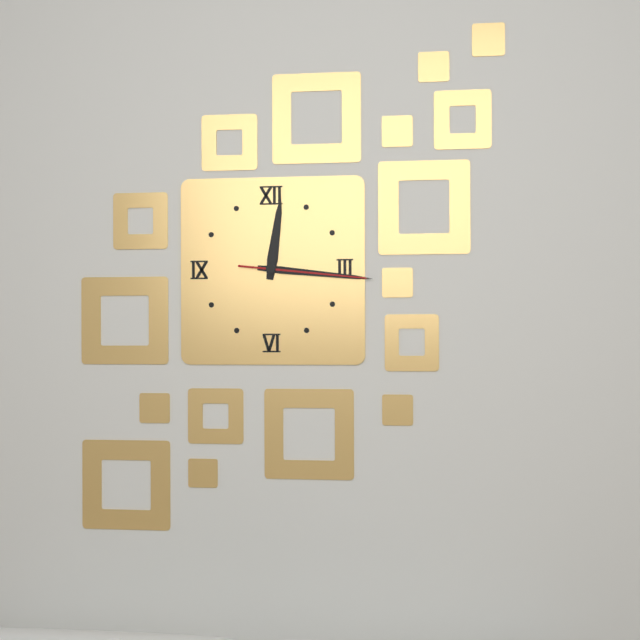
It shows 12:16:16
